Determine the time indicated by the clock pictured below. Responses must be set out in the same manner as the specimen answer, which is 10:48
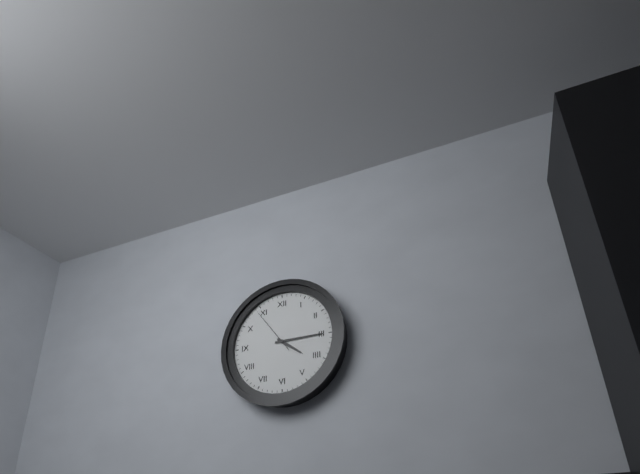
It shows 4:15
